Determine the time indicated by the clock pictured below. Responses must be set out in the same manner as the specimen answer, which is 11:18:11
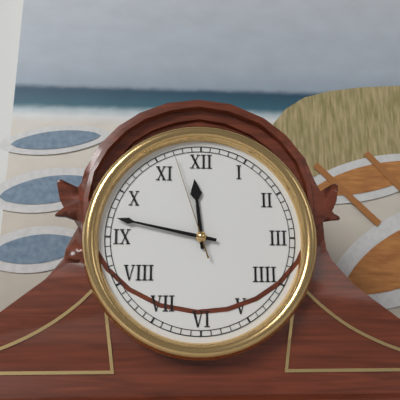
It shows 11:47:57
